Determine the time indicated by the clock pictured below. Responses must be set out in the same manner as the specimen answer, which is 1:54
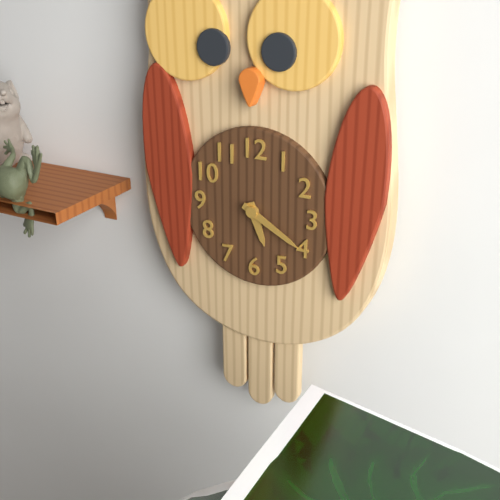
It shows 5:20
